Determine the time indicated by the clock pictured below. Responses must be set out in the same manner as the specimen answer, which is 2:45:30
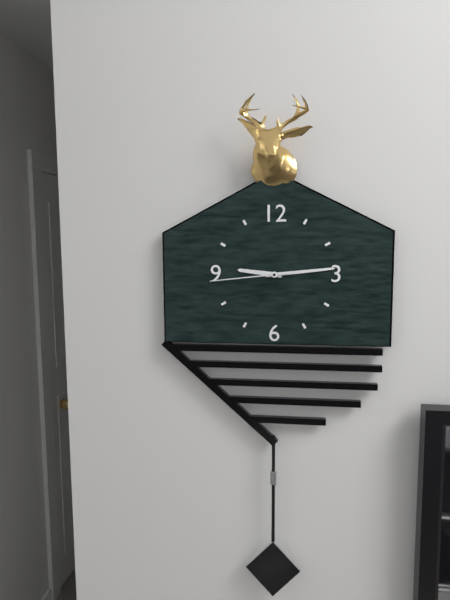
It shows 9:14:44
